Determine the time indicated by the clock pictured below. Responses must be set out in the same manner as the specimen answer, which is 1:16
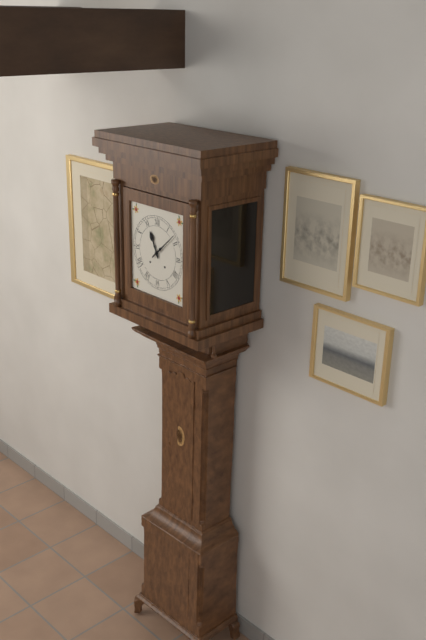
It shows 11:08
